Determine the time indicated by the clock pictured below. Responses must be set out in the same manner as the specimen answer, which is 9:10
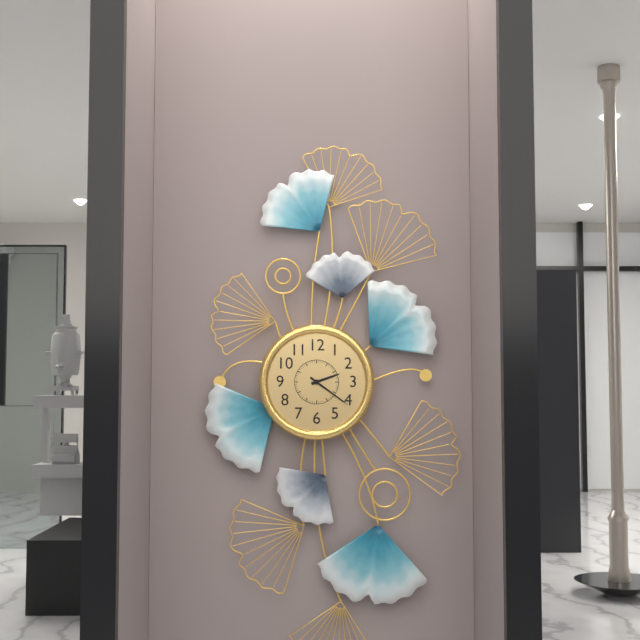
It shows 2:21
